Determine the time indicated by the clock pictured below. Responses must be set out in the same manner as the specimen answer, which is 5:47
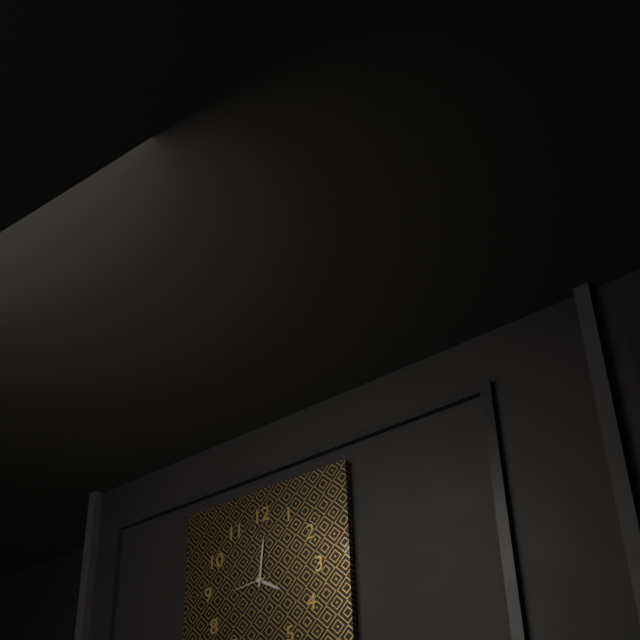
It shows 4:01
